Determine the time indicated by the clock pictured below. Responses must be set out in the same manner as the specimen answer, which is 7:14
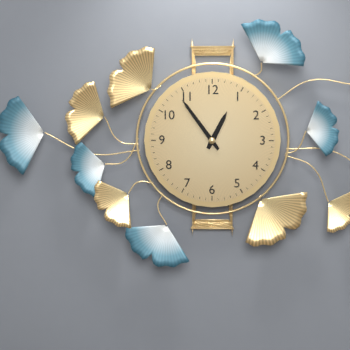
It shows 12:54
